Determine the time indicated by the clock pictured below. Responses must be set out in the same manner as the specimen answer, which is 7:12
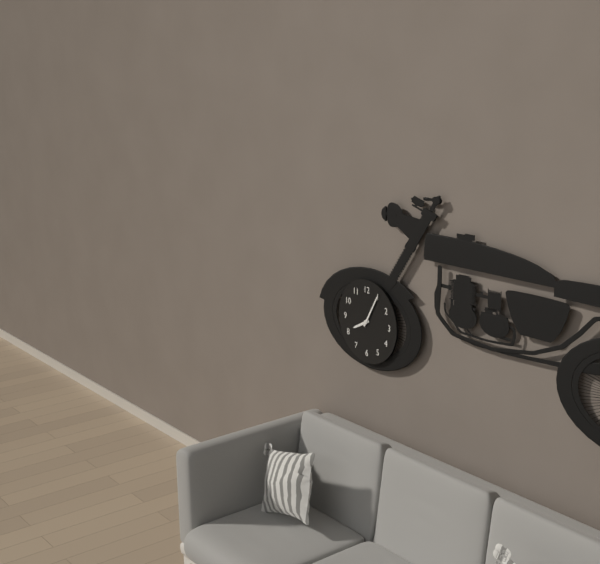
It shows 8:05
